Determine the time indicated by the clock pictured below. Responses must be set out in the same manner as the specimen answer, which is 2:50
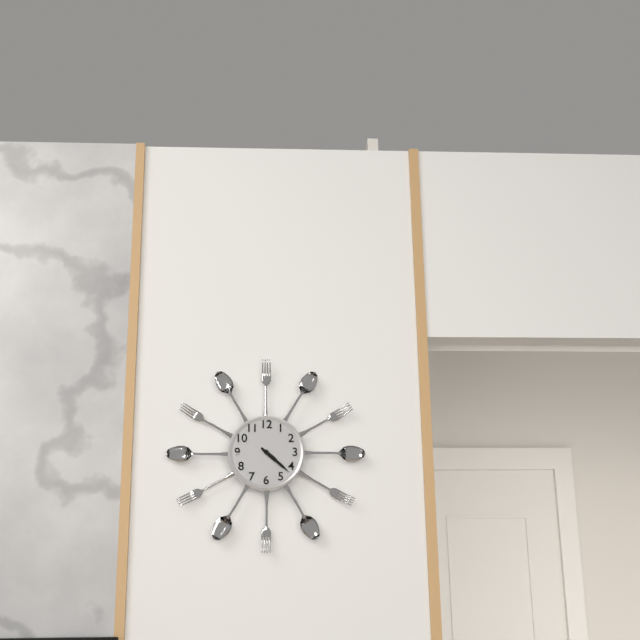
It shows 4:22
